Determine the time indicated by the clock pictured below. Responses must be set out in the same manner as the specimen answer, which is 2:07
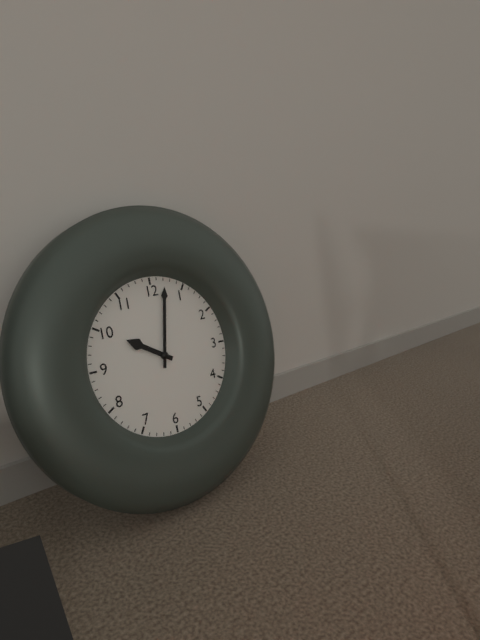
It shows 10:02
